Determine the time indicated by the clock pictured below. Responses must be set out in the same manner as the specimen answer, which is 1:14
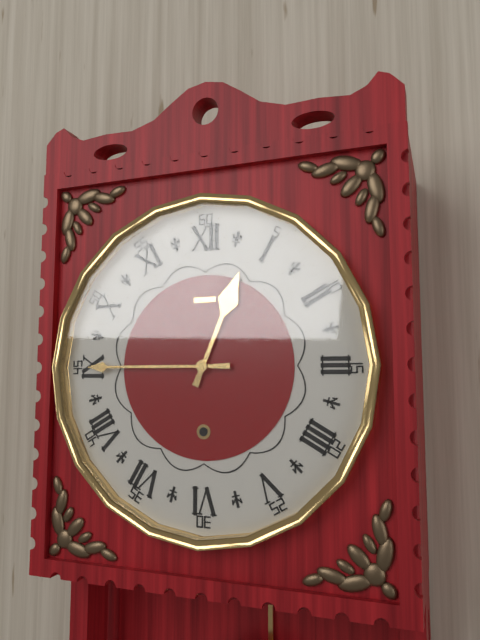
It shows 12:45
